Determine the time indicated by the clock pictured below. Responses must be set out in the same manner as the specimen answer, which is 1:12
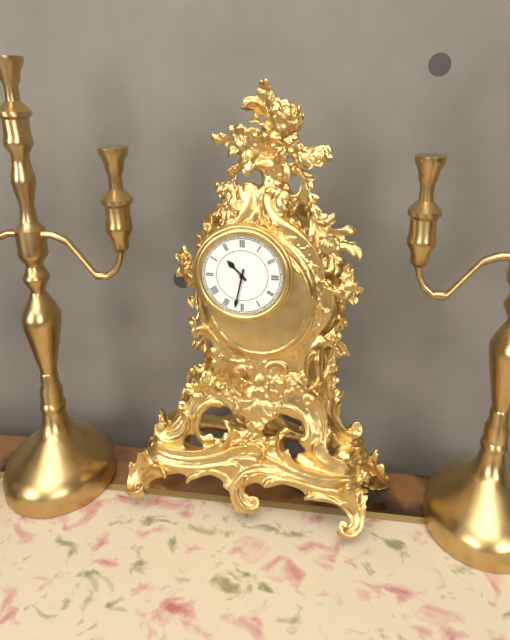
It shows 10:32
